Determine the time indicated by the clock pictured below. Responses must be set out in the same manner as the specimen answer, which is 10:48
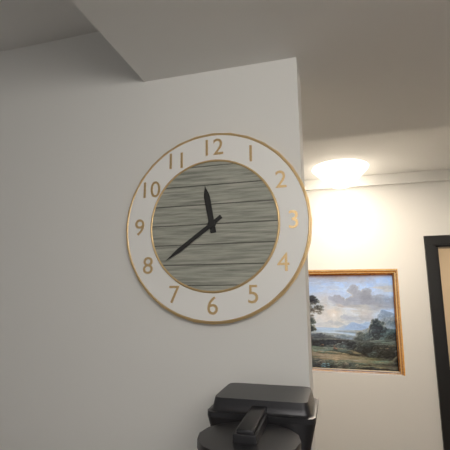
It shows 11:39
